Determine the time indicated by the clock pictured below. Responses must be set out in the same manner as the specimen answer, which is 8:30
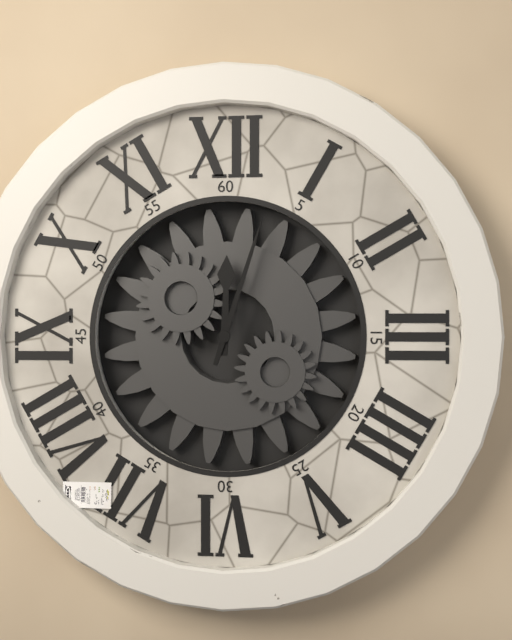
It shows 12:03
